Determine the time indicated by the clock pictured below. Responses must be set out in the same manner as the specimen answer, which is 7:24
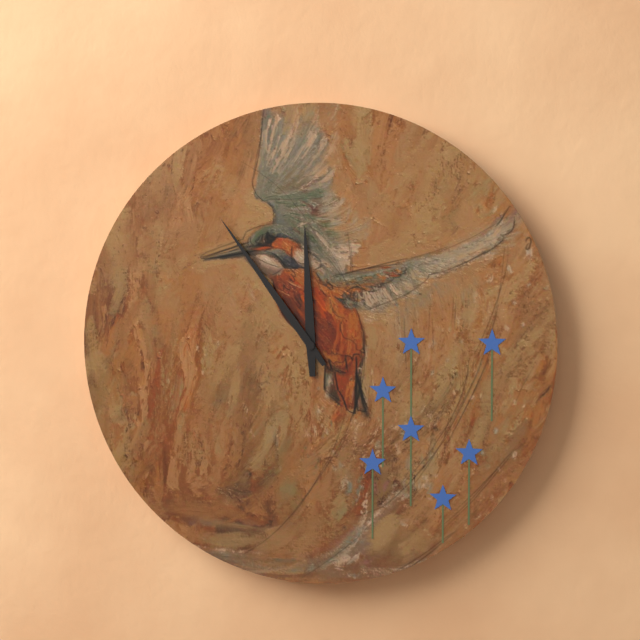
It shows 11:54
